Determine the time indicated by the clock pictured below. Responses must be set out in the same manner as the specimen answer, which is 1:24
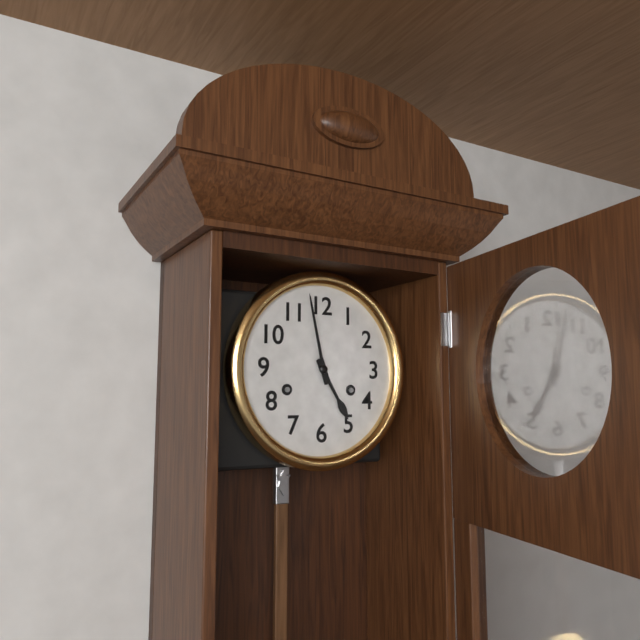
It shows 4:58
